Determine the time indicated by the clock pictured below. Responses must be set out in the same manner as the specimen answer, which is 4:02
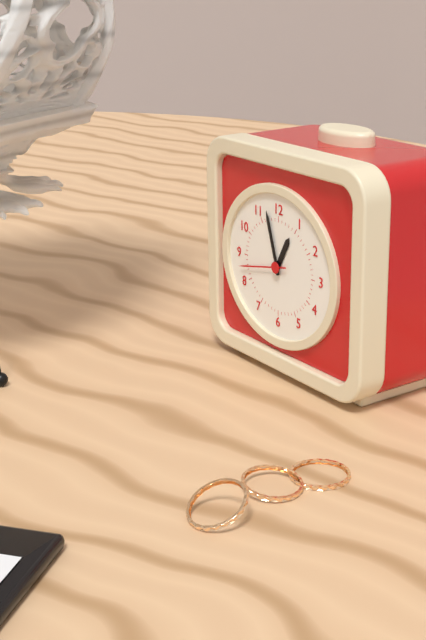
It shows 12:57
